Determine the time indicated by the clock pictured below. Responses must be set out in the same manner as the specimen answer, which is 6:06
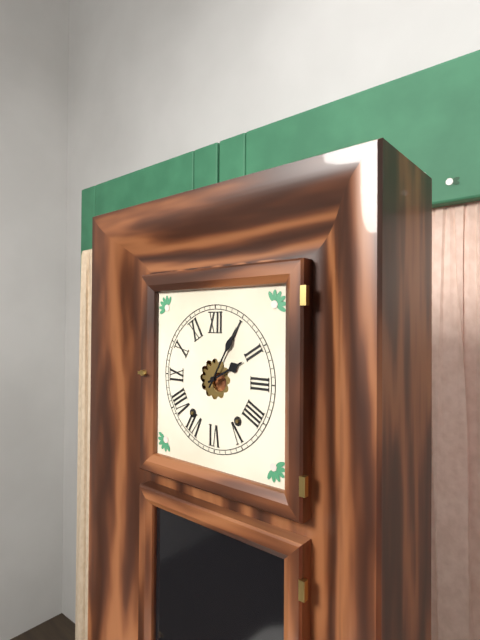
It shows 2:05
